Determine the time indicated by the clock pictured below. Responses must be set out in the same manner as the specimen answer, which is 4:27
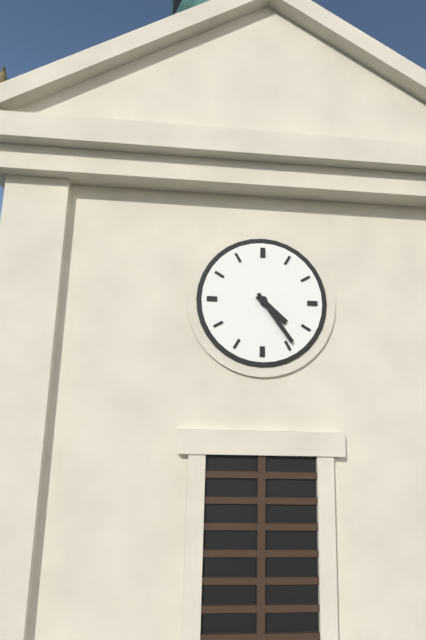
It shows 4:24
